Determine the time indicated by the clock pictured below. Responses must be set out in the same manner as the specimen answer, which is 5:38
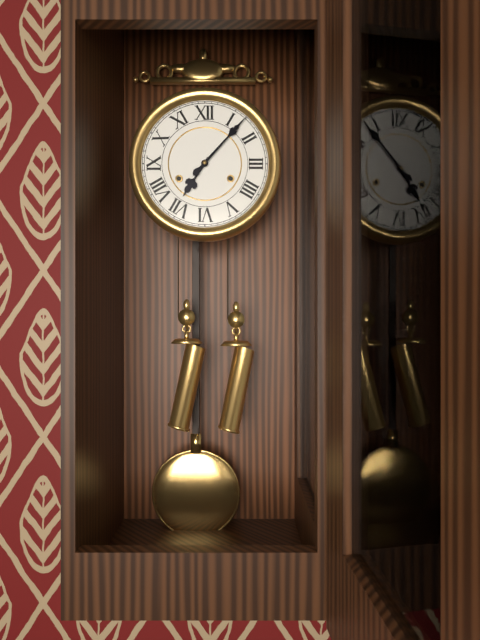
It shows 7:07
